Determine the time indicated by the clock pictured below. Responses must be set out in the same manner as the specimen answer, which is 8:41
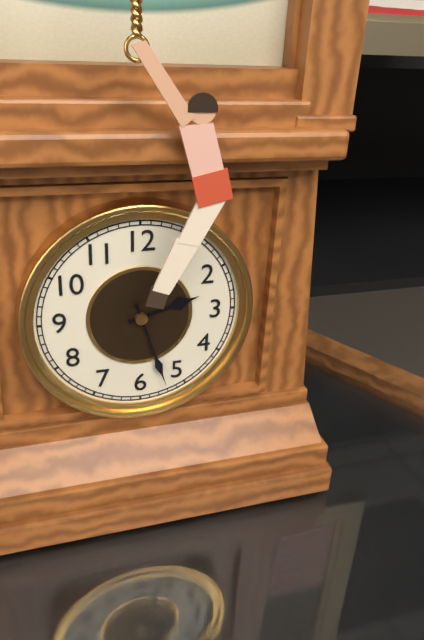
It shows 2:27
